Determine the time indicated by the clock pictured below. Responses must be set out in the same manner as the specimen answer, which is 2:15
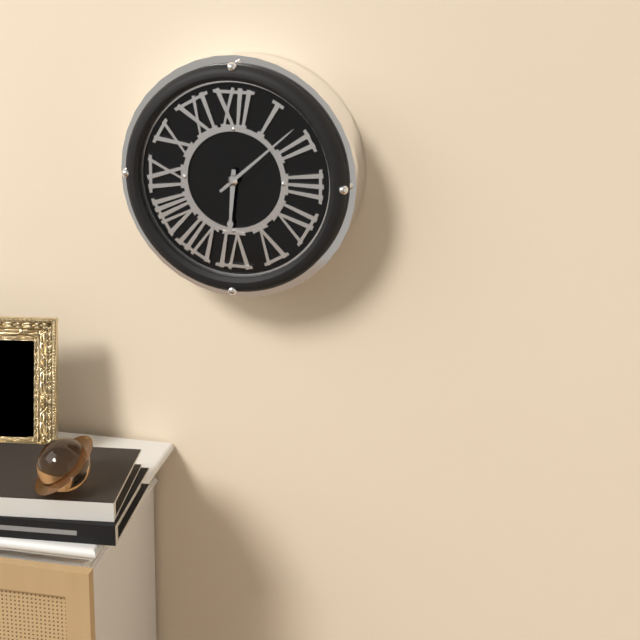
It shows 6:08
